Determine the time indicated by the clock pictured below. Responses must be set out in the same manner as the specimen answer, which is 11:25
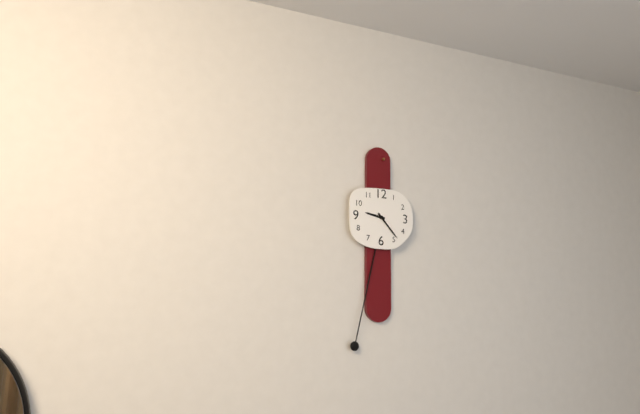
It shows 9:23
